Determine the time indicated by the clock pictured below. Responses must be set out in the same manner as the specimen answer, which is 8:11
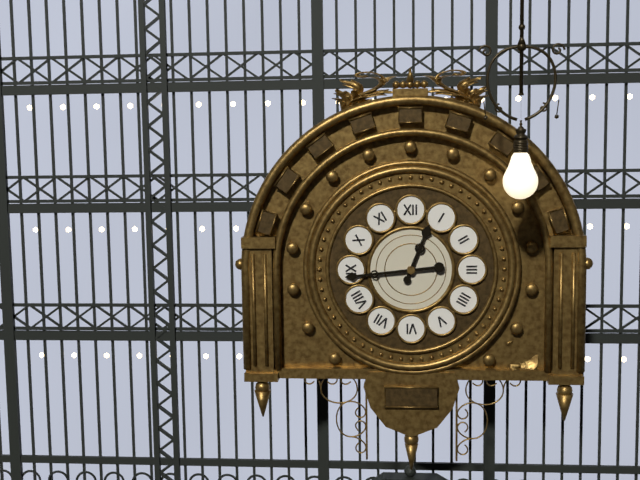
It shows 12:44
